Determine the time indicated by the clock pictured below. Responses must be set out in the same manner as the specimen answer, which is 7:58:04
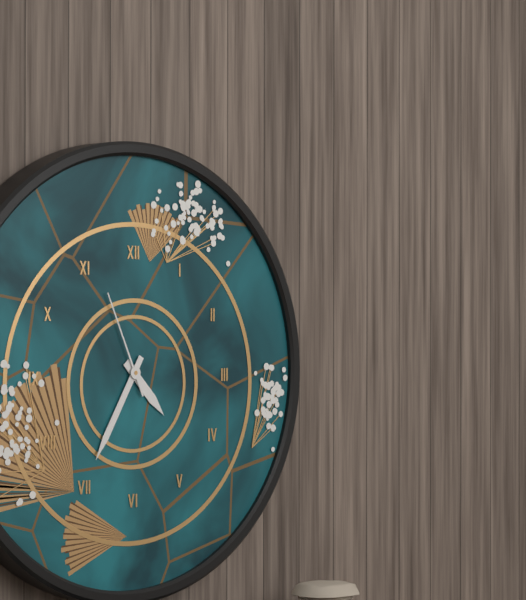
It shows 4:35:56
